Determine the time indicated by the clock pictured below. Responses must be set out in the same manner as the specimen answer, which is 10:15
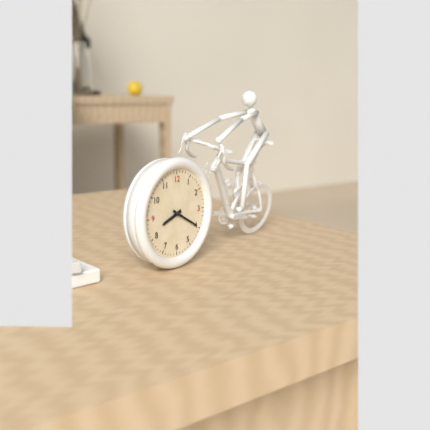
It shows 8:20
